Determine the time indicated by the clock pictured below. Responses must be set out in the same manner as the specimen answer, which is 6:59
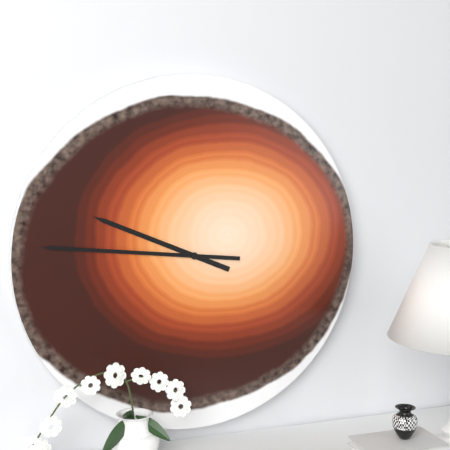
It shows 9:46
